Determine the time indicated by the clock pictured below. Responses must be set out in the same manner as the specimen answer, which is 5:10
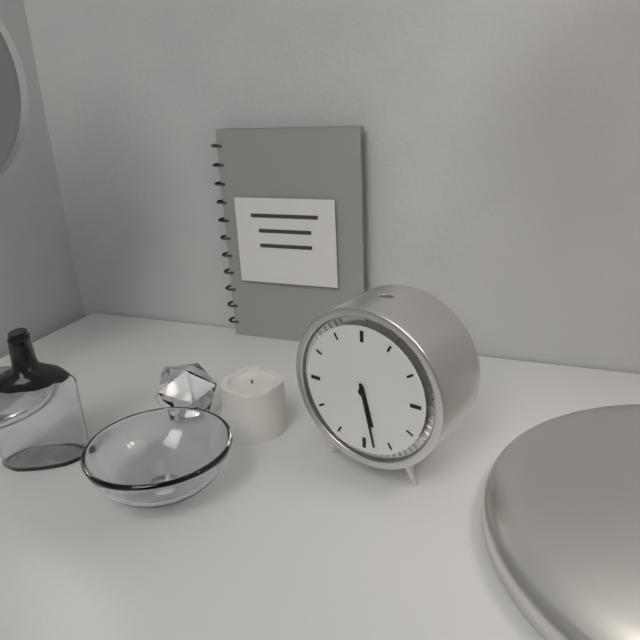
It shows 5:28
